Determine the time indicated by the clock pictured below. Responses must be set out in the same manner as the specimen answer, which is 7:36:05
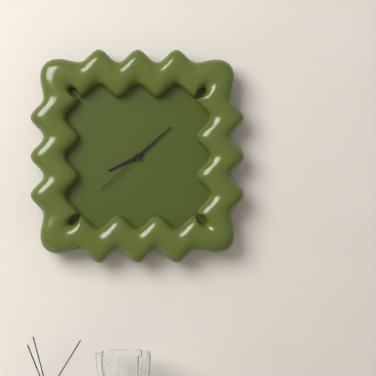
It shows 8:08:38
